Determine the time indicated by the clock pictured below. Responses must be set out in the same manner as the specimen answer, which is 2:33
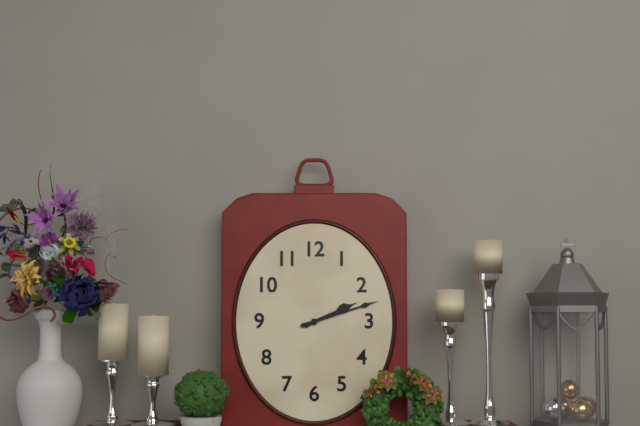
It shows 2:12
